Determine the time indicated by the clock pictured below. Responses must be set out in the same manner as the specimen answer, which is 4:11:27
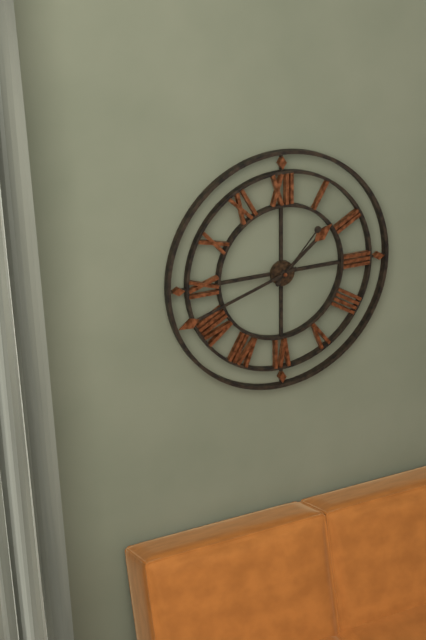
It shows 1:42:07
